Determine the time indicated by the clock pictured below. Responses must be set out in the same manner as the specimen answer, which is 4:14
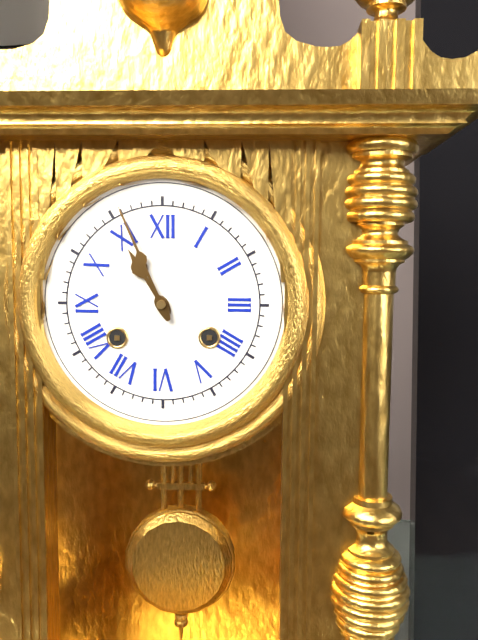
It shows 10:56
